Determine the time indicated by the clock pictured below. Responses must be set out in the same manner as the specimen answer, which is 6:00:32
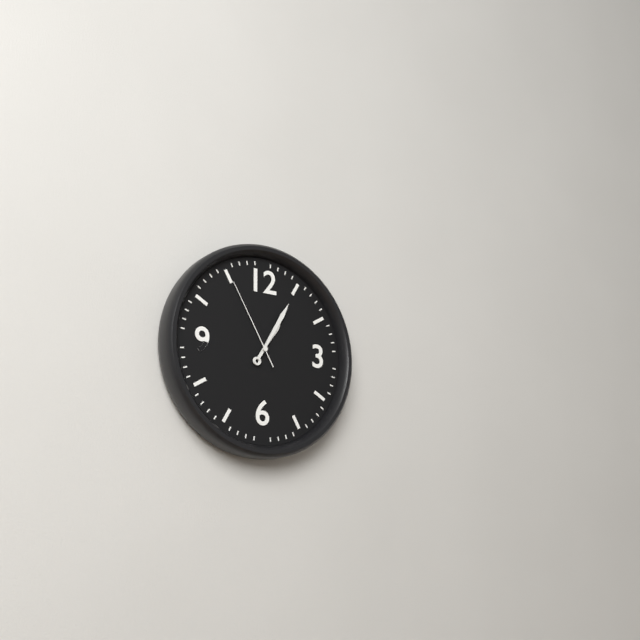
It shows 1:05:55
